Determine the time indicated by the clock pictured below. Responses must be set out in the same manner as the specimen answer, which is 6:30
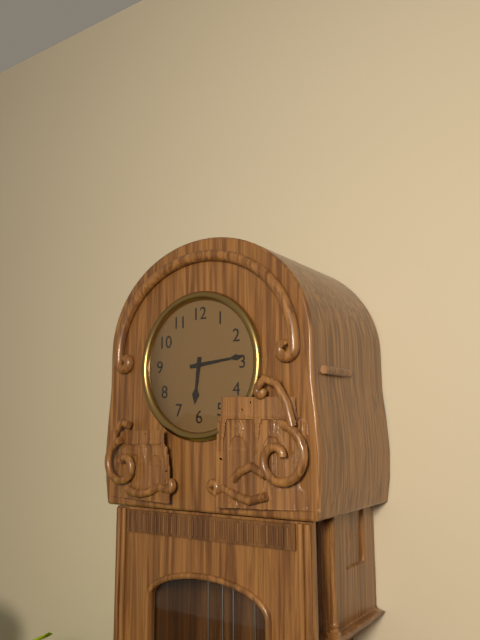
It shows 6:14
